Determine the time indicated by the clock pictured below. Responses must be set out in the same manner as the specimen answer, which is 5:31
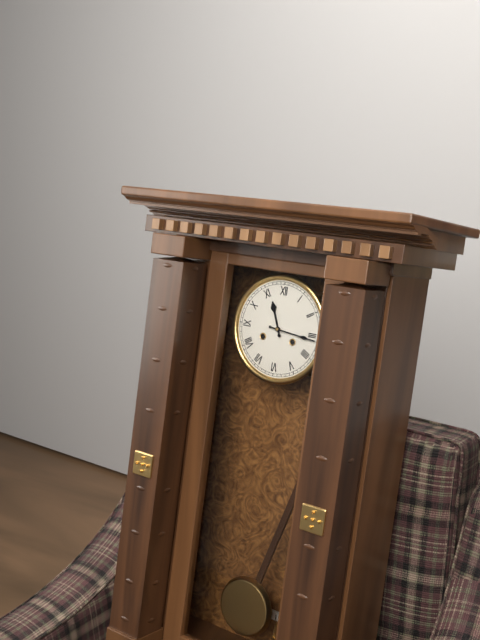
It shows 11:16
